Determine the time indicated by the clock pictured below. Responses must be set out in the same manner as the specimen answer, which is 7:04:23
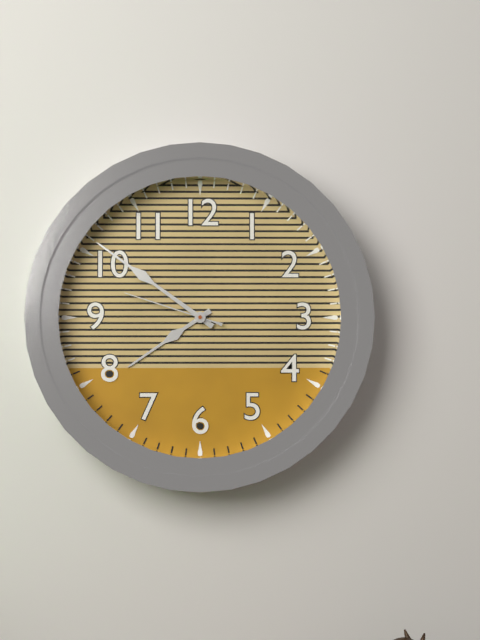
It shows 7:51:48
